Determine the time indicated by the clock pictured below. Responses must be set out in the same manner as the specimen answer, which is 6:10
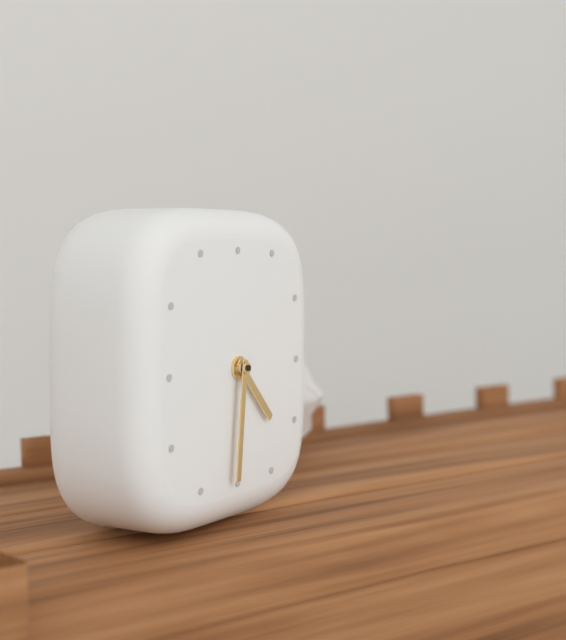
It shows 4:31
